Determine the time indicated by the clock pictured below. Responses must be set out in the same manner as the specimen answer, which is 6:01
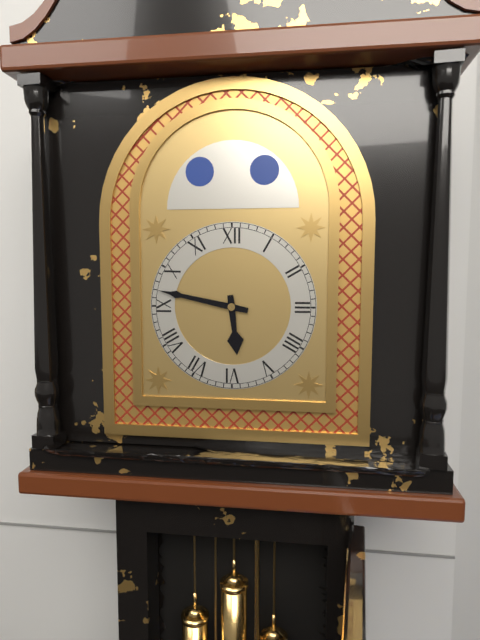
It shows 5:47
